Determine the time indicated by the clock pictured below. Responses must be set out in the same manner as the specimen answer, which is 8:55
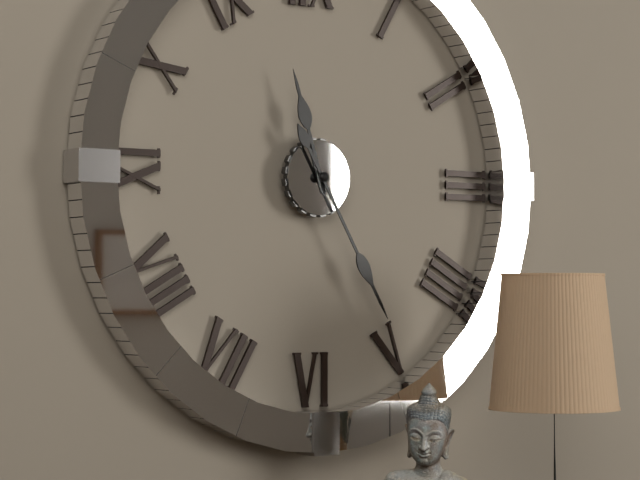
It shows 11:25
